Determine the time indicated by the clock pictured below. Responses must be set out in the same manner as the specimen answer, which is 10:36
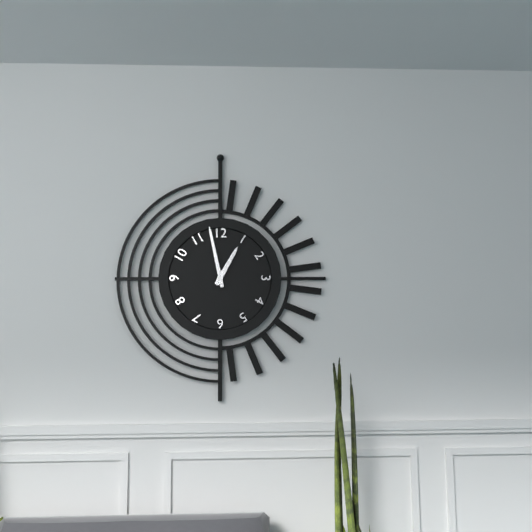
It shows 12:58
